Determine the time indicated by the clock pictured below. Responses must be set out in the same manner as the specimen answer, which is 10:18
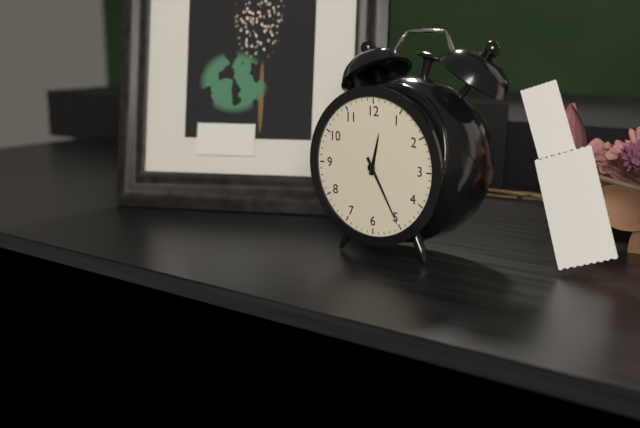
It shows 12:25
